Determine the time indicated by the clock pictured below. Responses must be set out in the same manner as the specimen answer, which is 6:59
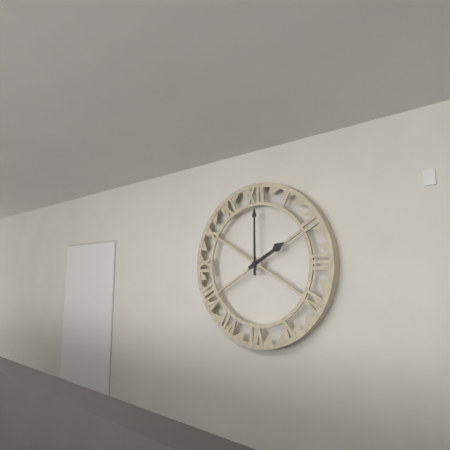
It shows 2:00
